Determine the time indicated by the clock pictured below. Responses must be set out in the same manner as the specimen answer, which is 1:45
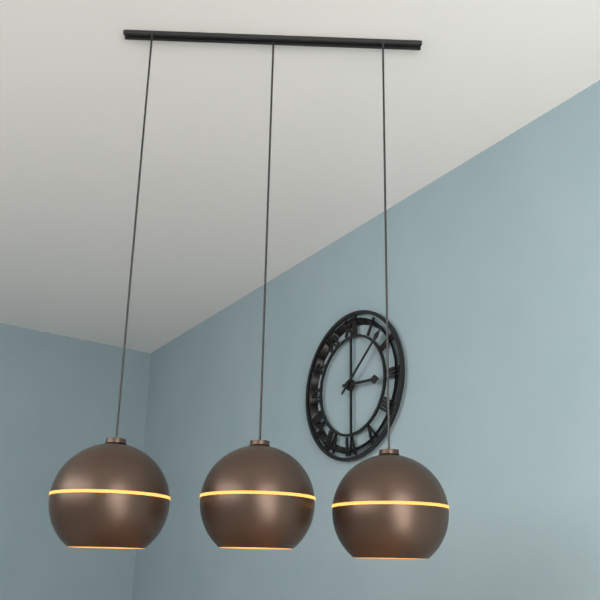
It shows 3:08
